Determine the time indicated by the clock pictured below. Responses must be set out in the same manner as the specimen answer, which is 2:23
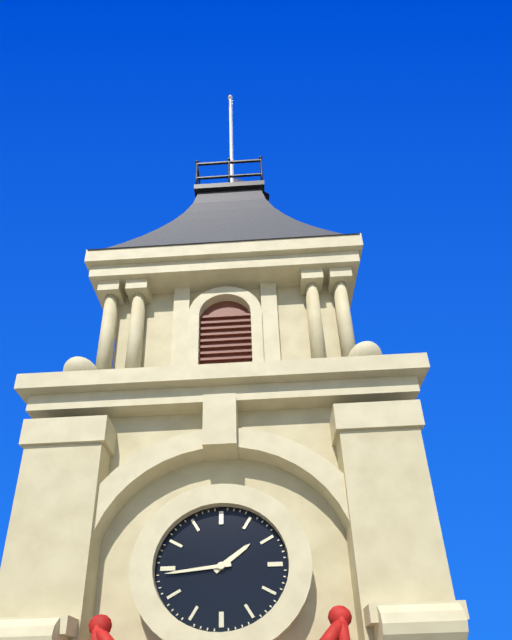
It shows 1:44
